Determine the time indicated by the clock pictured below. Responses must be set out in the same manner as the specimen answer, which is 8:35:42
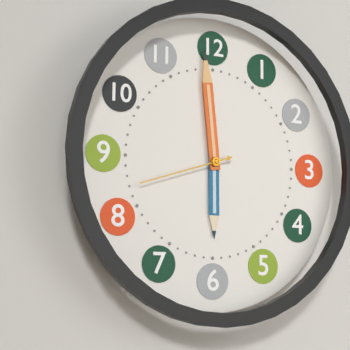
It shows 5:59:42
